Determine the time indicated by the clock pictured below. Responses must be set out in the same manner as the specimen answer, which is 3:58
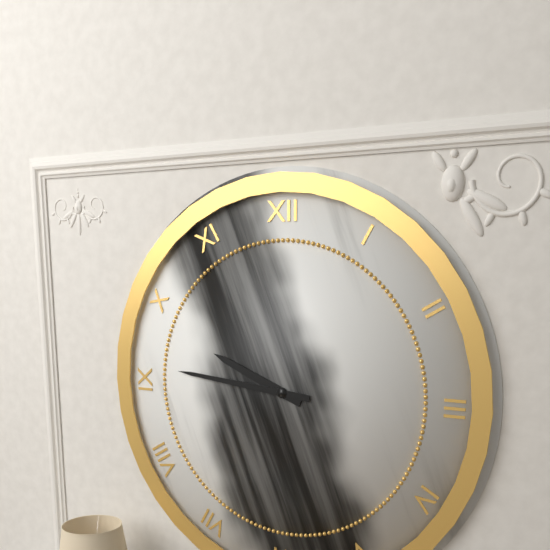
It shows 9:46
